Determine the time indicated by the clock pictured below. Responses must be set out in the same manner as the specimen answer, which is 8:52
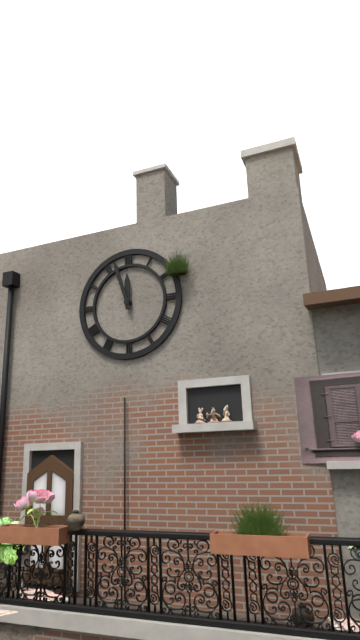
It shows 11:57
